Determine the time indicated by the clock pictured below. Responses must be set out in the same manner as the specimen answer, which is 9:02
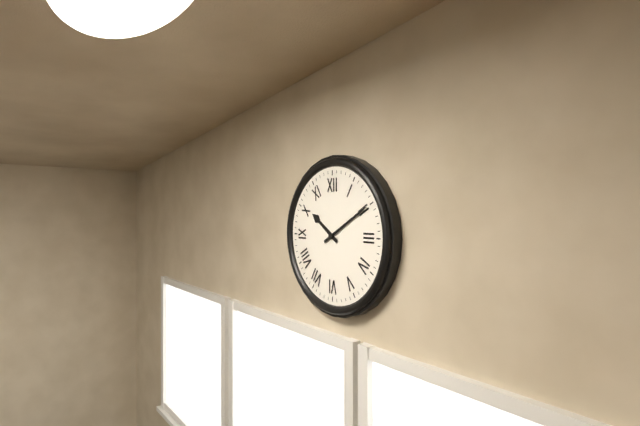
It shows 10:10
